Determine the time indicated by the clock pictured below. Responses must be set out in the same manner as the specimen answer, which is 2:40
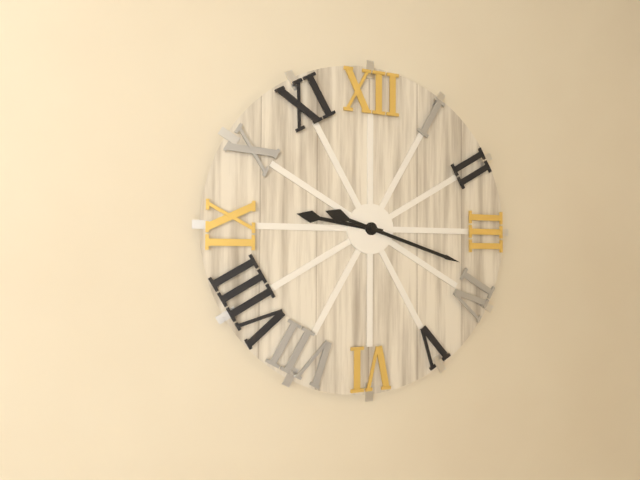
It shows 9:18
